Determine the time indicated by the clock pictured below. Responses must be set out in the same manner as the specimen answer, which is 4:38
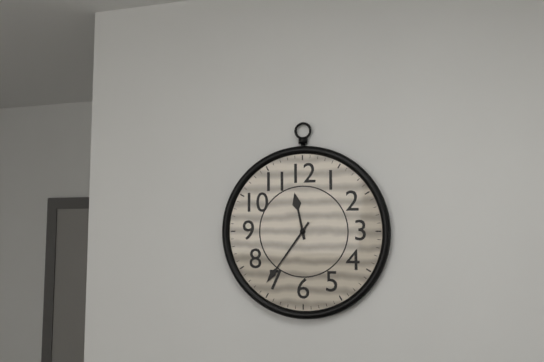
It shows 11:36
